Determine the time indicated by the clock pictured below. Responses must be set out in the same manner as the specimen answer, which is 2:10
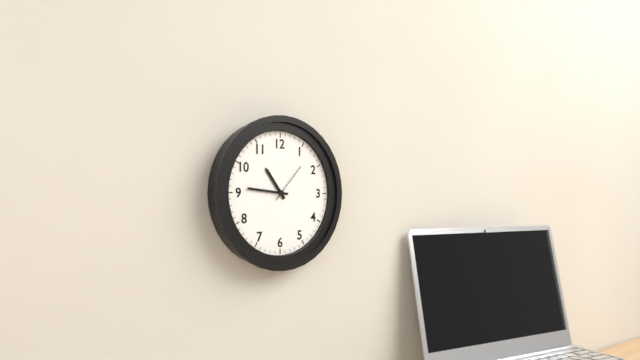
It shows 10:46
